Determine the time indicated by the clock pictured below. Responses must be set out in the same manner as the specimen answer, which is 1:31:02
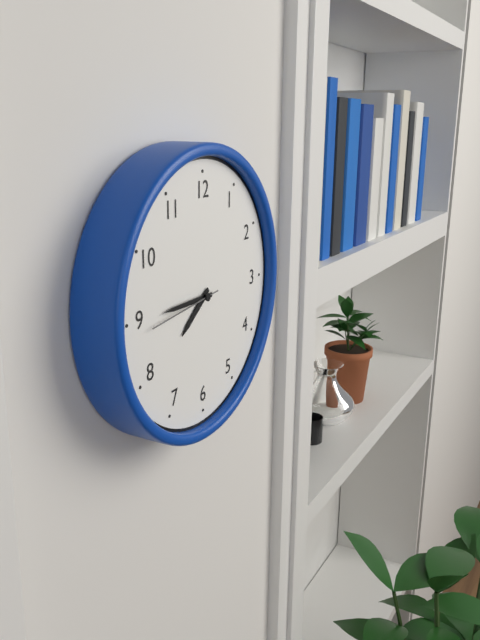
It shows 7:45:44
